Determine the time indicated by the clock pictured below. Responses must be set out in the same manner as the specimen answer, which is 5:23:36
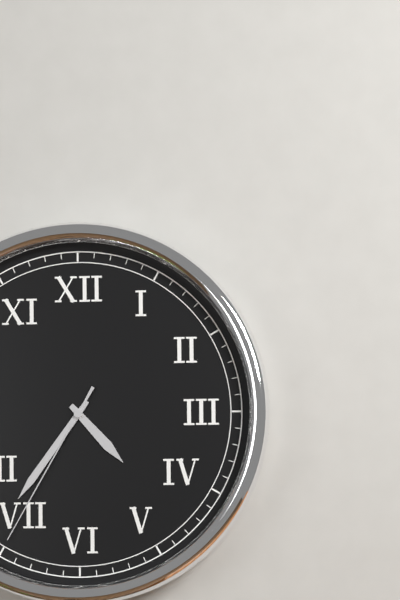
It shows 4:36:35
